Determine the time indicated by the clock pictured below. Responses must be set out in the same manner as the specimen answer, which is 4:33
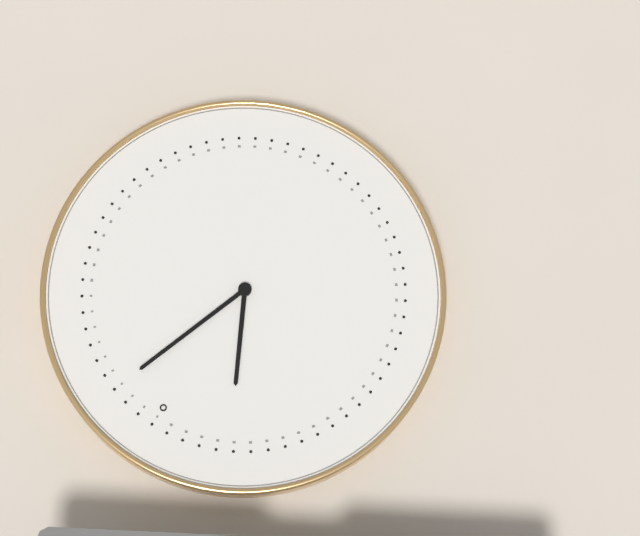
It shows 11:03
